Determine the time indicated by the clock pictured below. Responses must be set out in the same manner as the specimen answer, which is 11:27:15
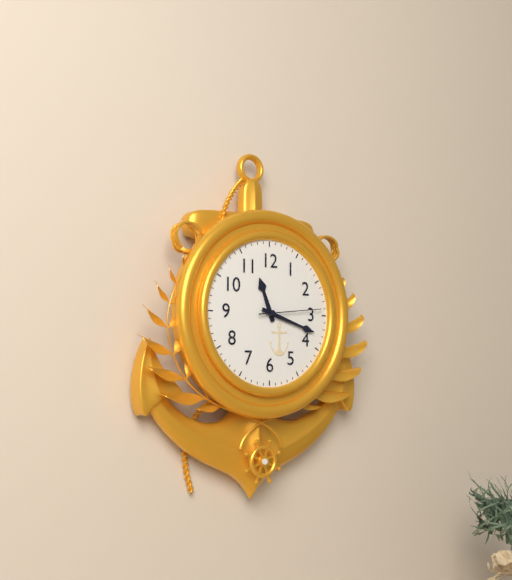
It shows 11:18:14
